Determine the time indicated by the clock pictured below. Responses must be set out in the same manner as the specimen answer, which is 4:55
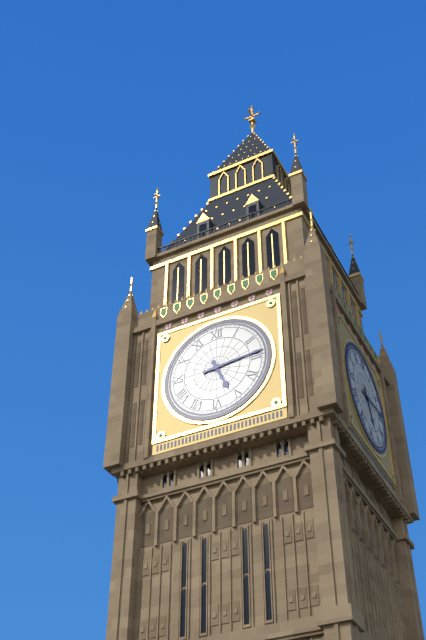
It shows 5:14
